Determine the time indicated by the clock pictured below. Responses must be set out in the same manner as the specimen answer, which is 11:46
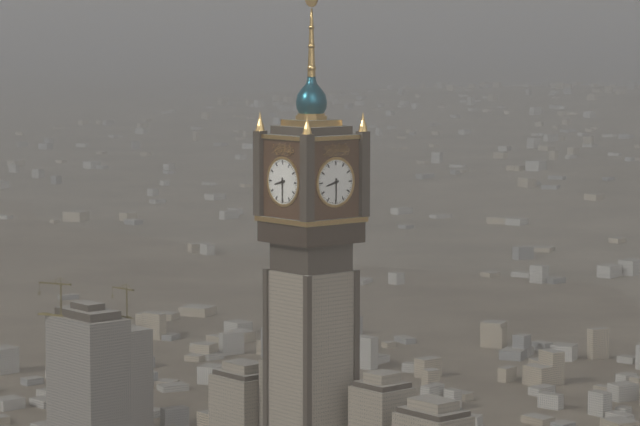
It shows 8:30
